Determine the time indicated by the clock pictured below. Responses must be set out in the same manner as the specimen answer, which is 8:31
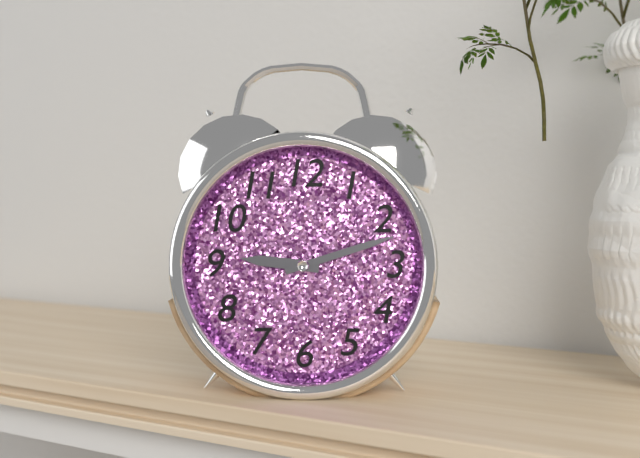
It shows 9:12
